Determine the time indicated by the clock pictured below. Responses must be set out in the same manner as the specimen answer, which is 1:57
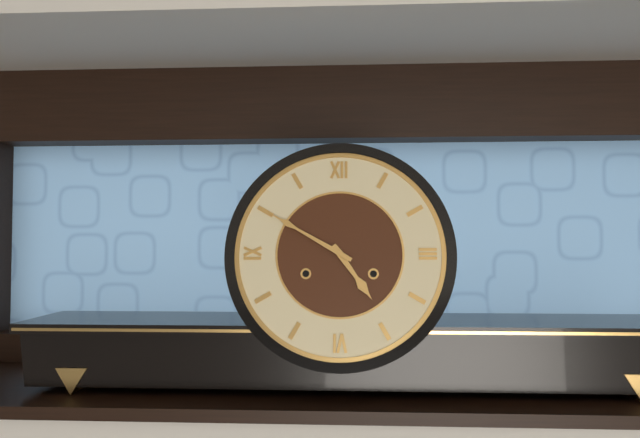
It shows 4:50
